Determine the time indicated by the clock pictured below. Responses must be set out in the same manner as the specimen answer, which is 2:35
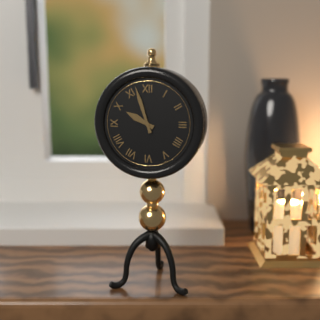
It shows 9:57
